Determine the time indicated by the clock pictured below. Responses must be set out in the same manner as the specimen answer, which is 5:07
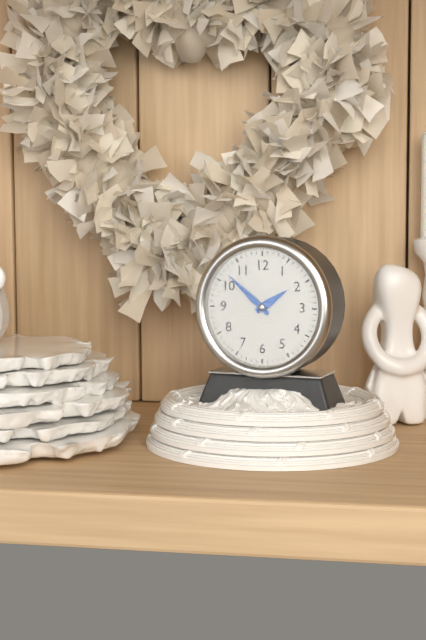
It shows 1:52
